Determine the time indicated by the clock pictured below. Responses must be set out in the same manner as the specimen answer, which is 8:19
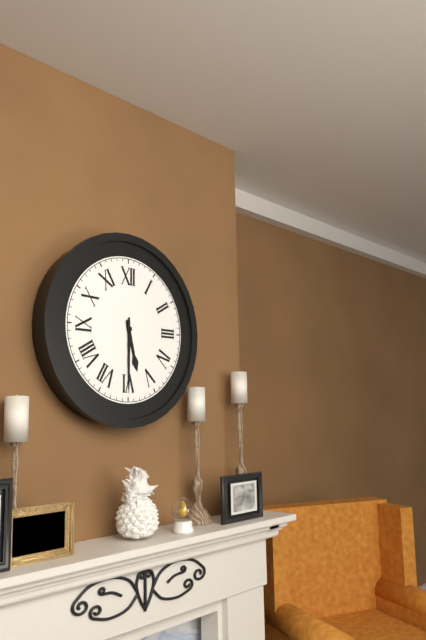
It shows 5:30
